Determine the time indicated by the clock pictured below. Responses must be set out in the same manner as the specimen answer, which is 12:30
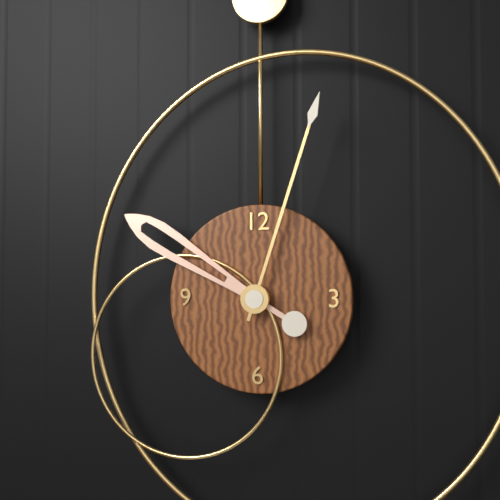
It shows 10:03
